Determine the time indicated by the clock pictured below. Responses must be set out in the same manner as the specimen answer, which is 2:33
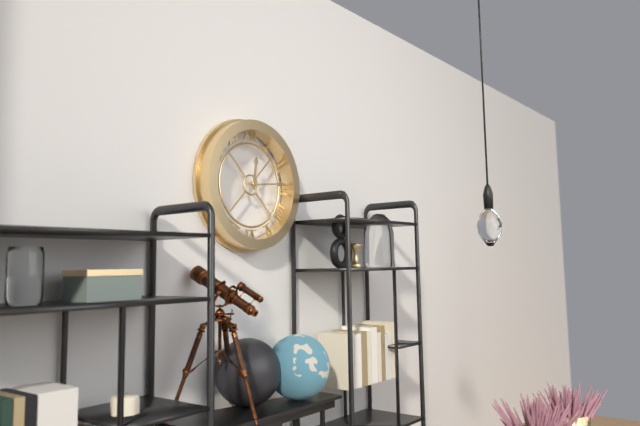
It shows 12:14
